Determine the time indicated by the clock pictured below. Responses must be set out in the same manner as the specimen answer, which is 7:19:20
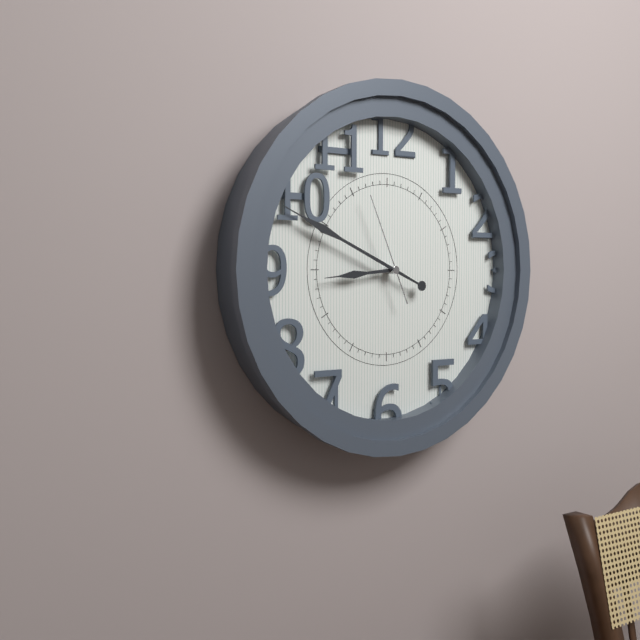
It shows 8:49:56
